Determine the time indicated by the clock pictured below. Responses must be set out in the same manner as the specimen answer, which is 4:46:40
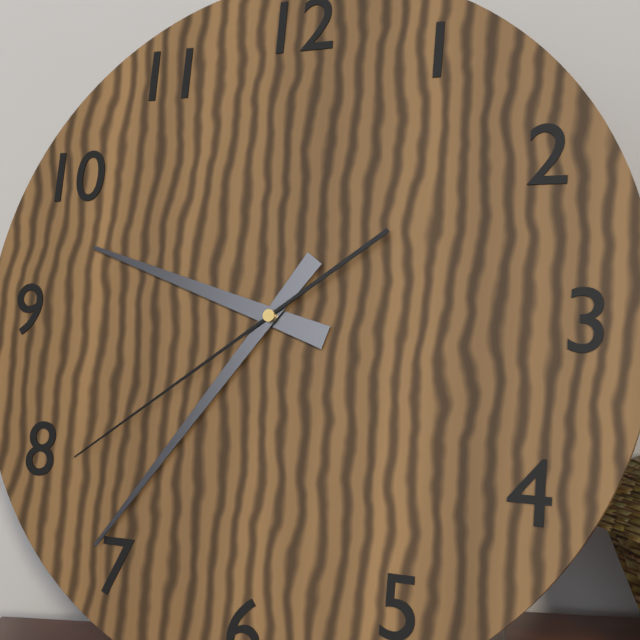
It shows 9:36:39
